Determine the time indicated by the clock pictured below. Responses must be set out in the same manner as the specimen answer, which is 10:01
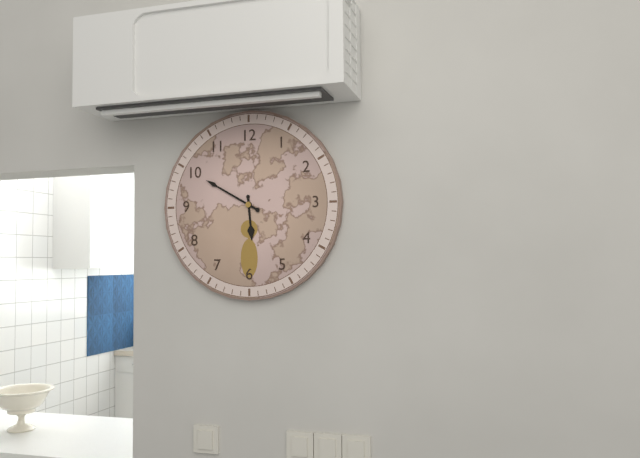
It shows 5:50
